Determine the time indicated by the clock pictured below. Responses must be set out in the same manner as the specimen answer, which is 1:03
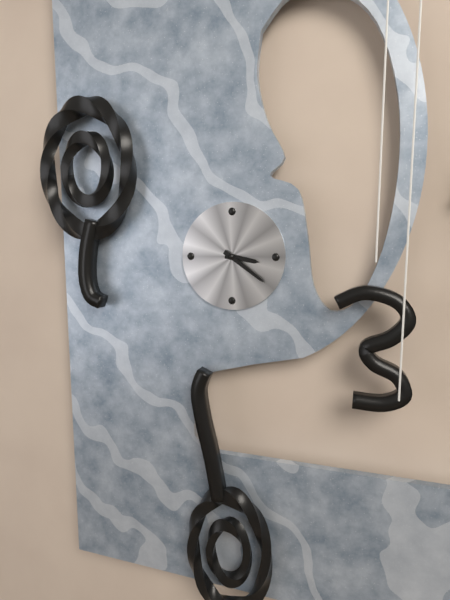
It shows 3:21
